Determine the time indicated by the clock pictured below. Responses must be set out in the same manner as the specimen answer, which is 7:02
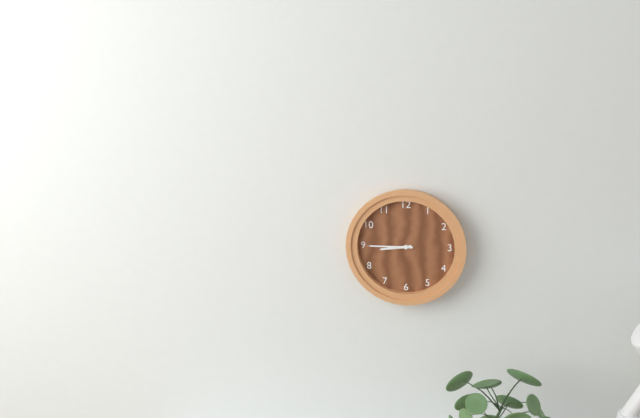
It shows 8:45
